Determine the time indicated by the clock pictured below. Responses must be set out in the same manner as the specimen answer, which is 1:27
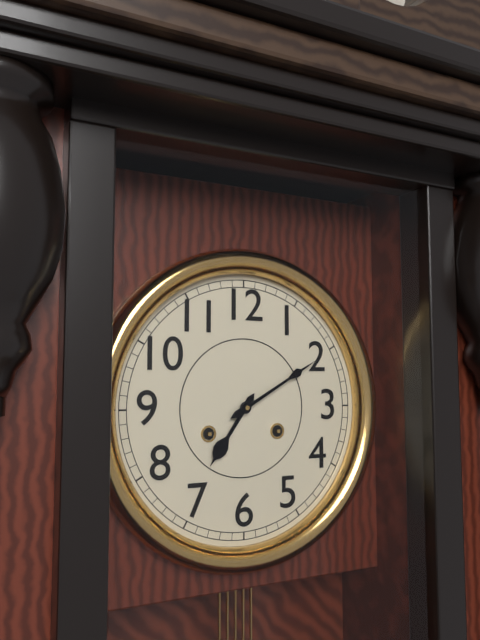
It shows 7:10
